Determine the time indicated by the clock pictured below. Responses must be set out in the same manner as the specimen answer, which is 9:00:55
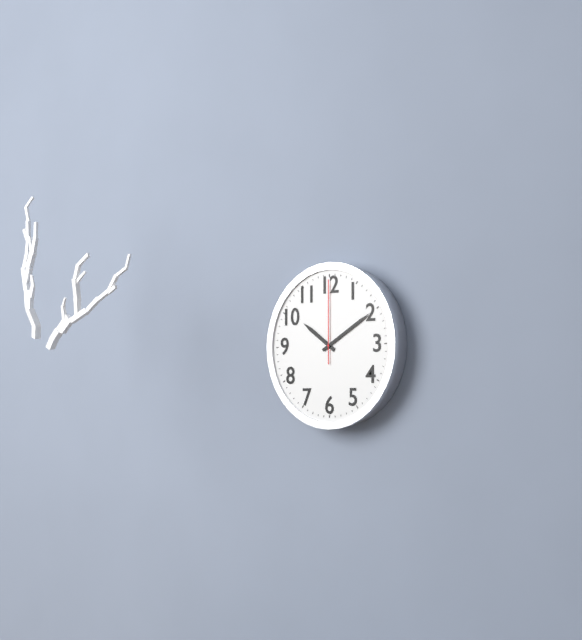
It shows 10:10:00
